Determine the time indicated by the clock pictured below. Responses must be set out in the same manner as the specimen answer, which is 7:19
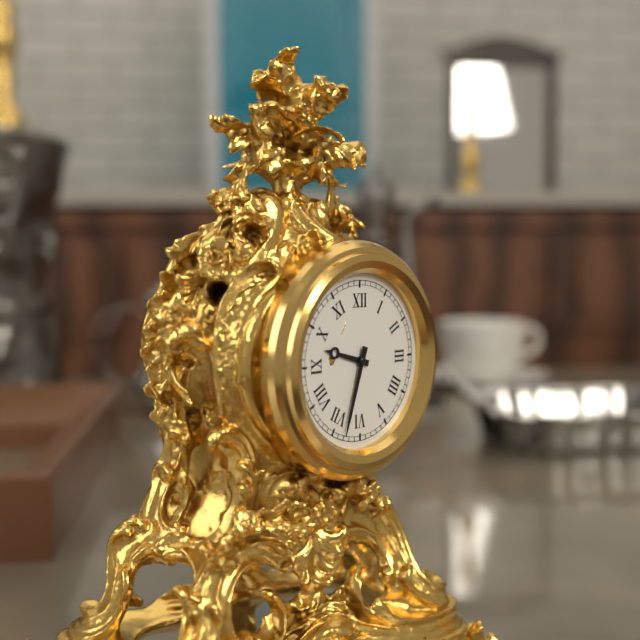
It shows 9:33
